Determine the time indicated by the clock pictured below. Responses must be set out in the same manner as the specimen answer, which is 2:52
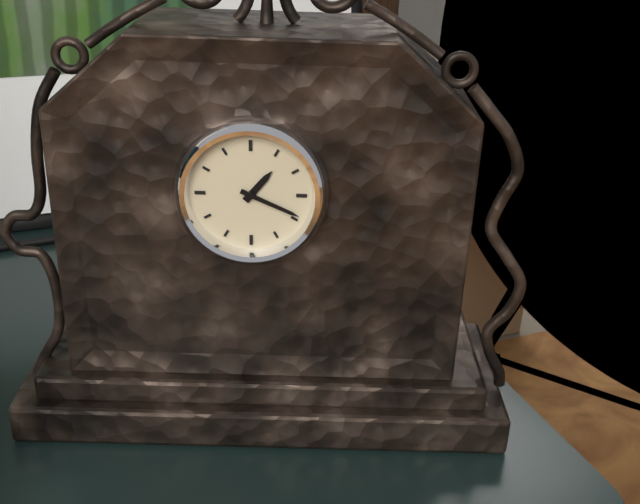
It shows 1:19
